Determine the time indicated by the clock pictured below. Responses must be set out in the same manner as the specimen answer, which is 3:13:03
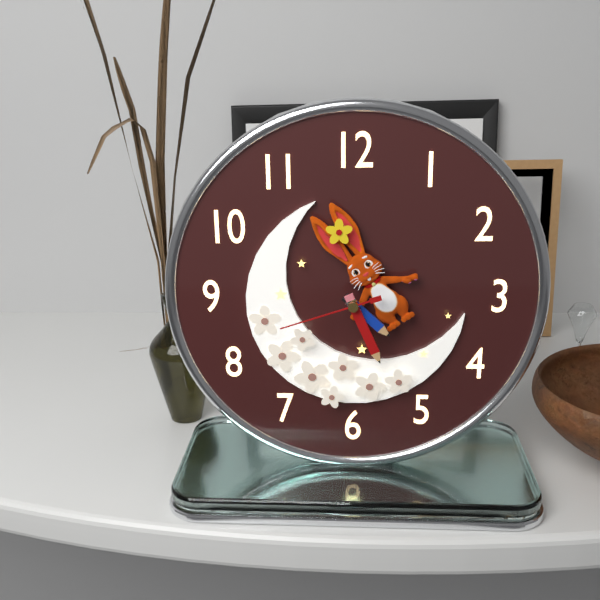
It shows 4:26:42
